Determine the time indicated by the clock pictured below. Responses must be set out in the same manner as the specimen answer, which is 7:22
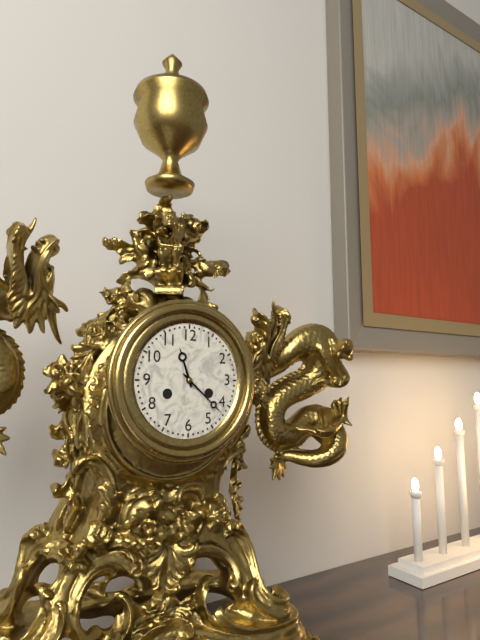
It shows 11:22
